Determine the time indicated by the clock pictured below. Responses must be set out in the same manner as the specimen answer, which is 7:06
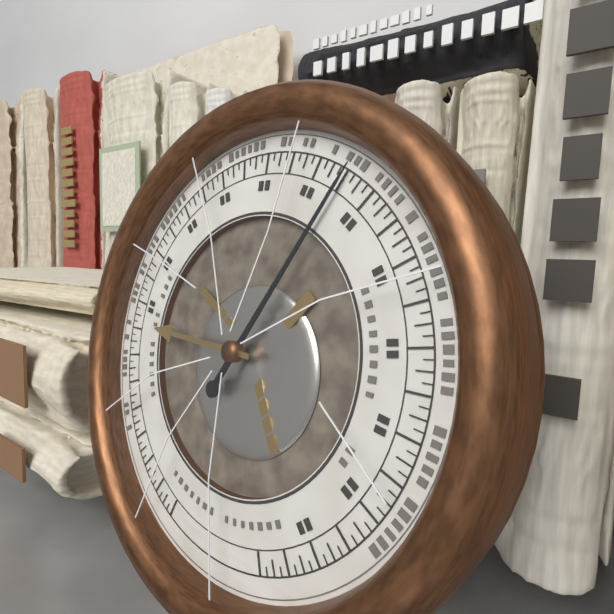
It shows 9:05
